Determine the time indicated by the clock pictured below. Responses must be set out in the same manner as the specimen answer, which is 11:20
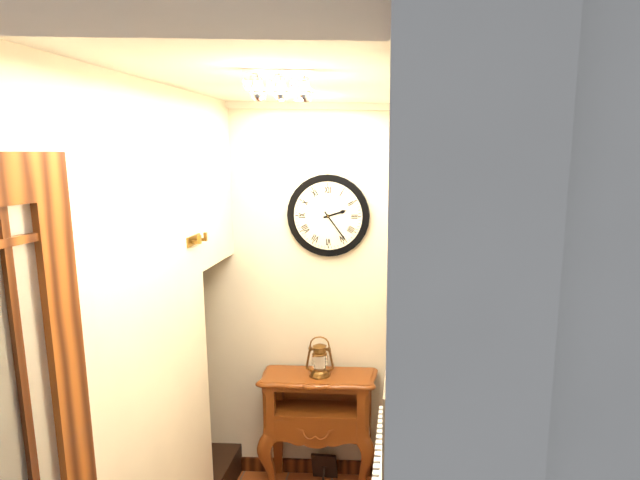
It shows 2:24
